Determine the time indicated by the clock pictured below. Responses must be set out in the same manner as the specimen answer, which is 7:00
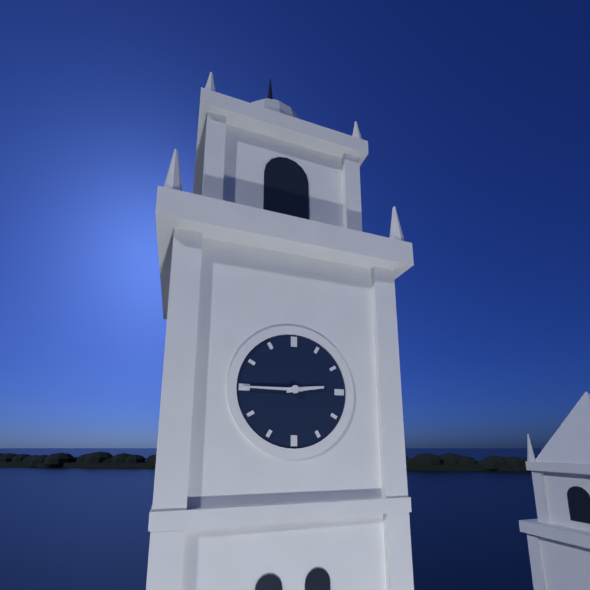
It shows 2:45
